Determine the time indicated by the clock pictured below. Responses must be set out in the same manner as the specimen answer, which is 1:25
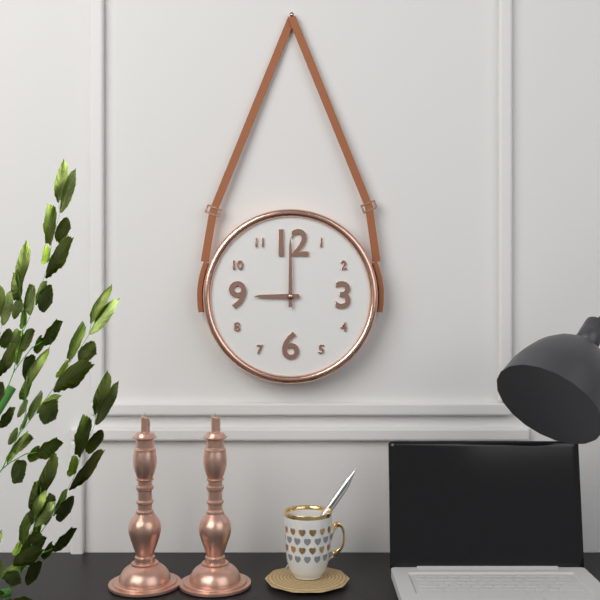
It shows 9:00
